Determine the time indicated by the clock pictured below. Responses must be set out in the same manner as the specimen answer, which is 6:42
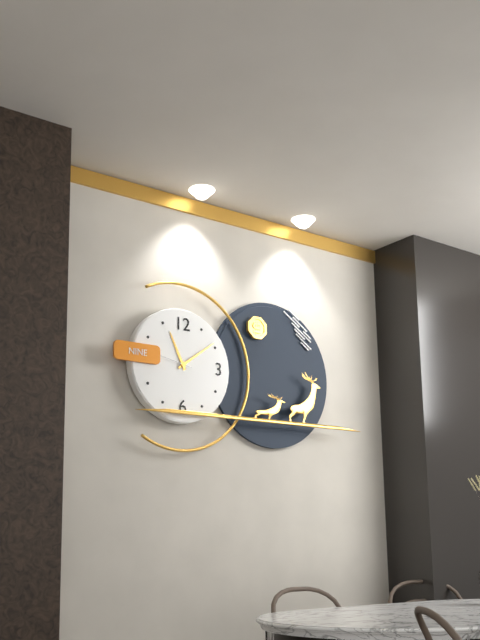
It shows 11:09
